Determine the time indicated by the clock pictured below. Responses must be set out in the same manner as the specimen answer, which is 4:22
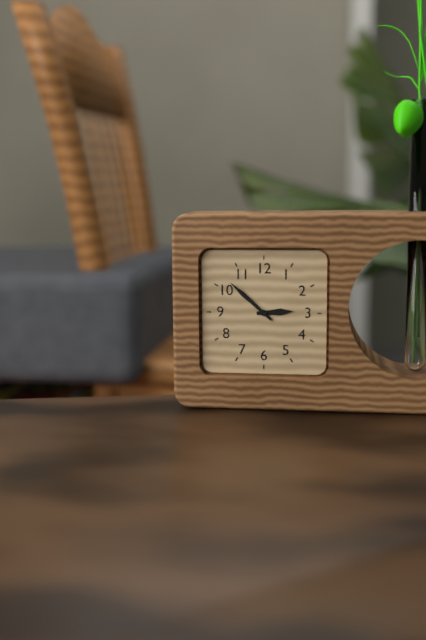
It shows 2:52
